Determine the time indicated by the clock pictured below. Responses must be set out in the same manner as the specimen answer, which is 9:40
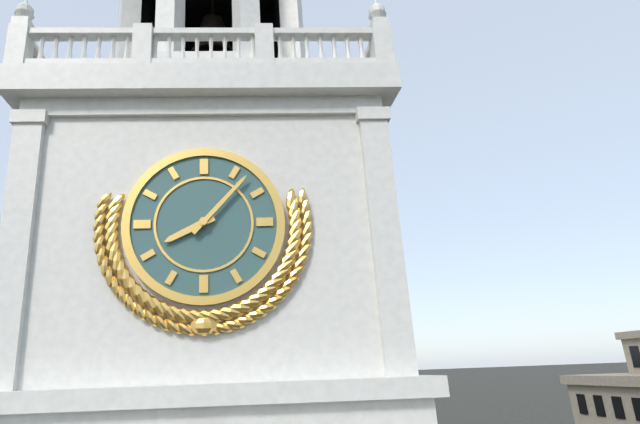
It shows 8:07
